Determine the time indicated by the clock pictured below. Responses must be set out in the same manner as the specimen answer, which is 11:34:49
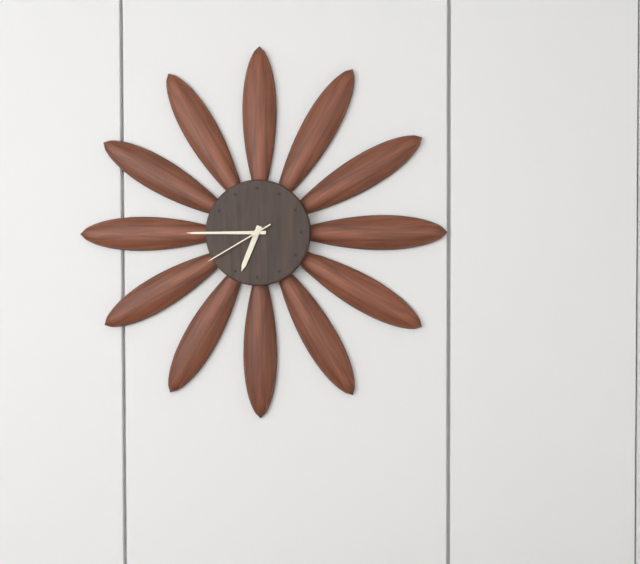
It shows 6:45:40
